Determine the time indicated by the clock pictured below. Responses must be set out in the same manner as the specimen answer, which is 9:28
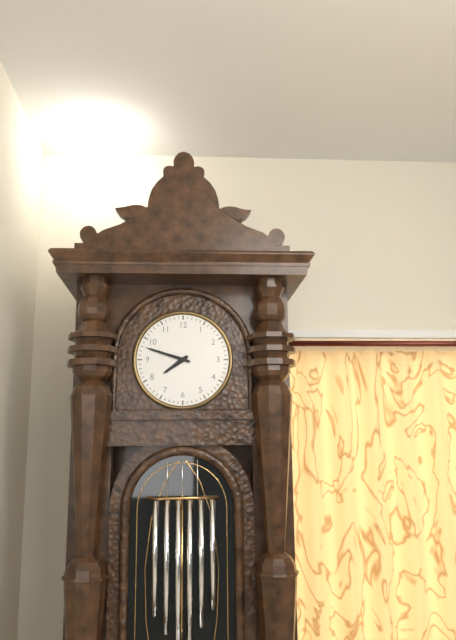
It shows 7:48
